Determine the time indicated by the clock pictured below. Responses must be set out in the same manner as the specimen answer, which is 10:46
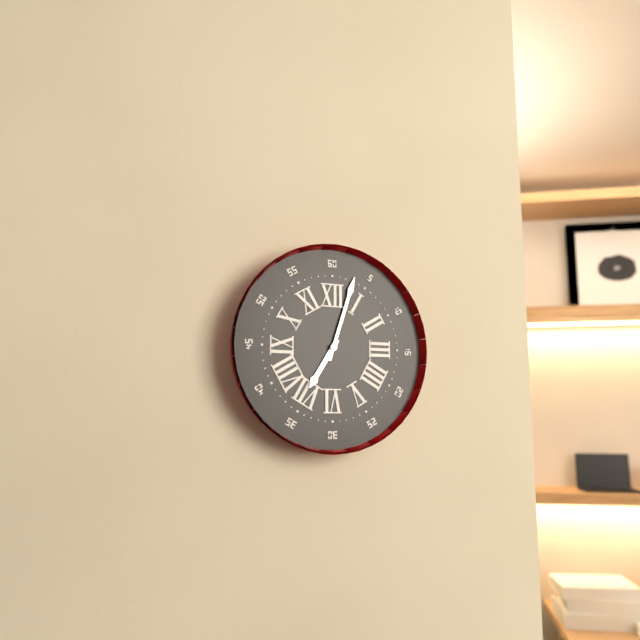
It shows 7:03
